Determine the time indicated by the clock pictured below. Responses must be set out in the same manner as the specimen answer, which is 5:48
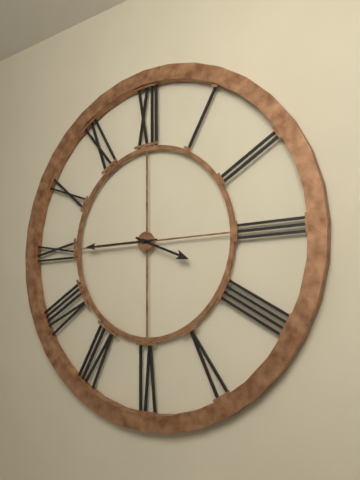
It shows 3:45
